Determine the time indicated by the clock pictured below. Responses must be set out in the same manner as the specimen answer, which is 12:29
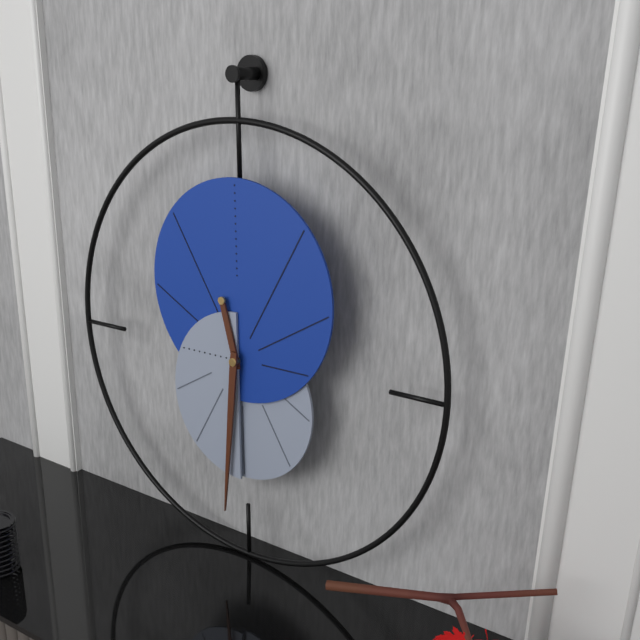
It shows 11:31
